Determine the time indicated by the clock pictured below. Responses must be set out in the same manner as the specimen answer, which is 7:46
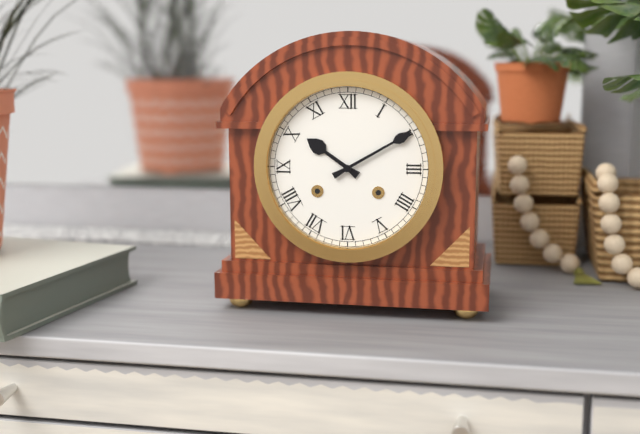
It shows 10:10
